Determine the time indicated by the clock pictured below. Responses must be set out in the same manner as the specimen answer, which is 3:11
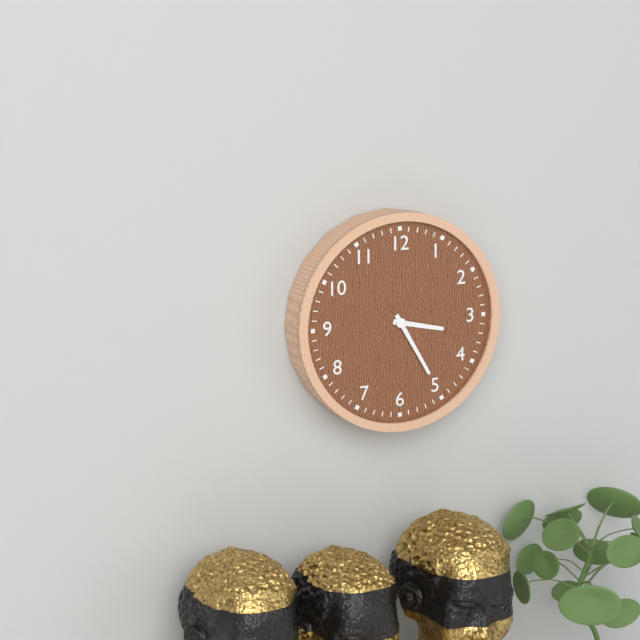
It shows 3:25
